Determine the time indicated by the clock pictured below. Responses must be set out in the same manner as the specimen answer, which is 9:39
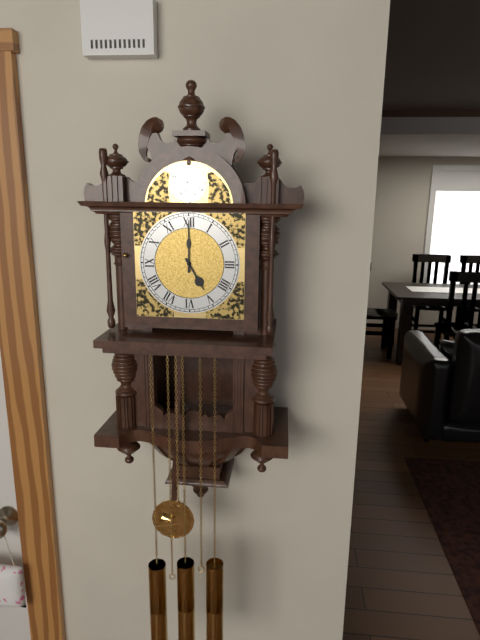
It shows 5:00
